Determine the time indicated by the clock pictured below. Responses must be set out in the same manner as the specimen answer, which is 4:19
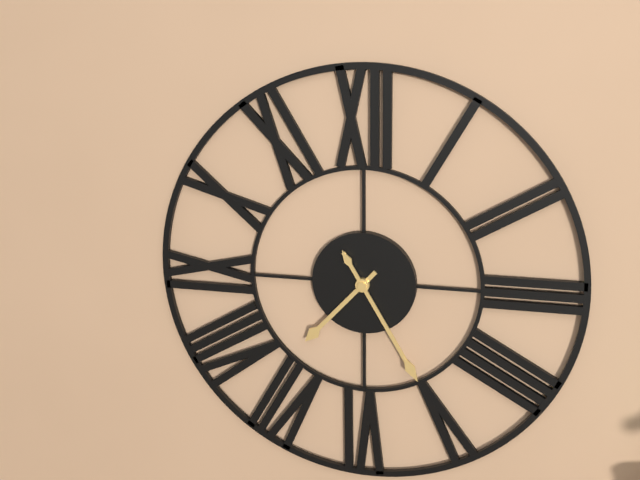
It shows 7:25
